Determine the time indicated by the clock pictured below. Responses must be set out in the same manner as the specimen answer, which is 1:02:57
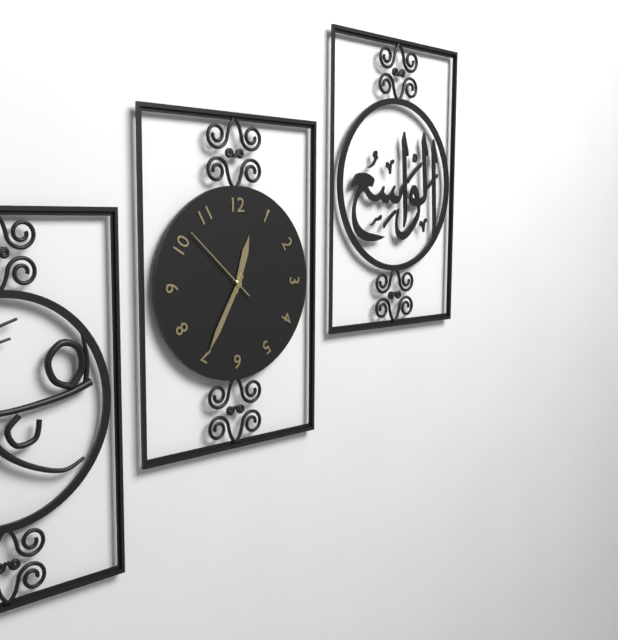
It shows 12:35:52
